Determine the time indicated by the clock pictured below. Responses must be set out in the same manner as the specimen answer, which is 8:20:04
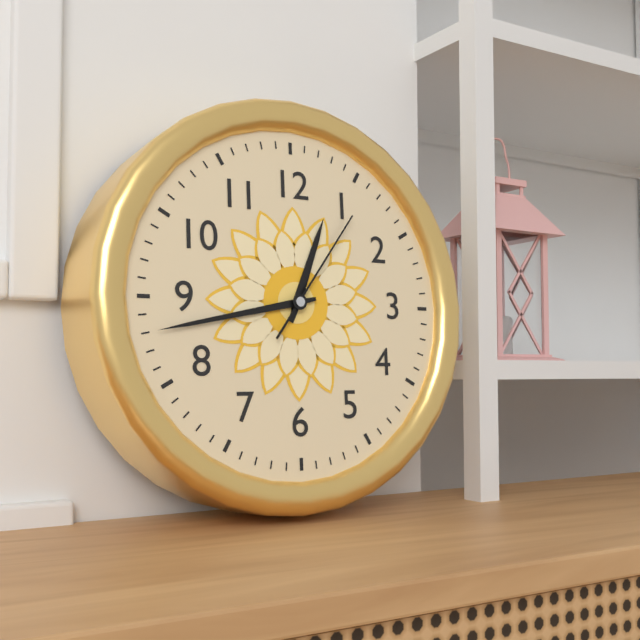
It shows 12:43:06
